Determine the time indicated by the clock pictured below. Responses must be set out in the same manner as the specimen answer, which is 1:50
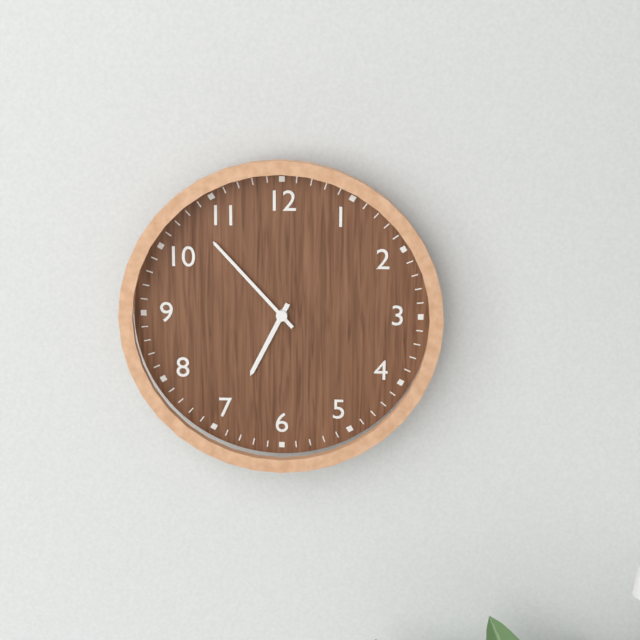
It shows 6:53
